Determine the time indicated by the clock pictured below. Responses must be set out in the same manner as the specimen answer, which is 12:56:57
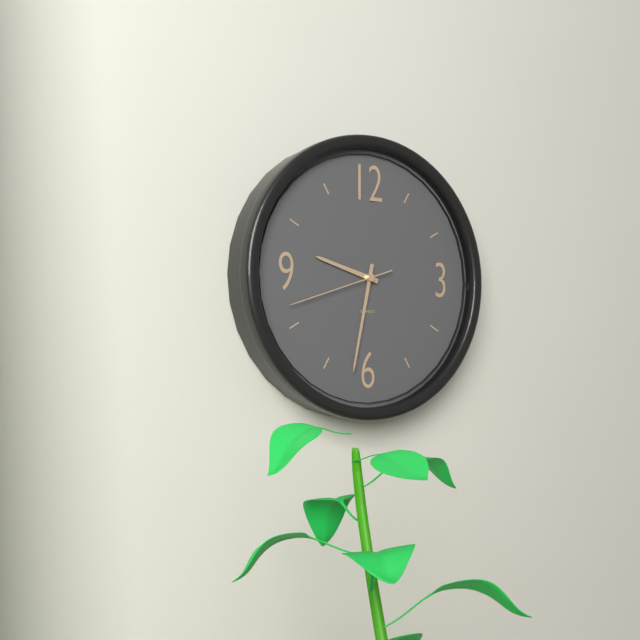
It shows 9:32:42
